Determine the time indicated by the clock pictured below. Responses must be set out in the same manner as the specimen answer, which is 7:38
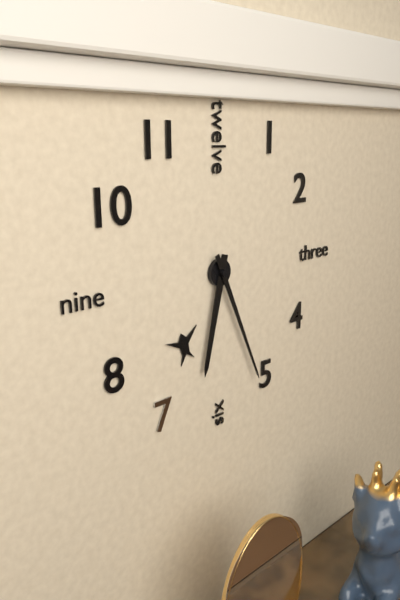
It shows 6:26
